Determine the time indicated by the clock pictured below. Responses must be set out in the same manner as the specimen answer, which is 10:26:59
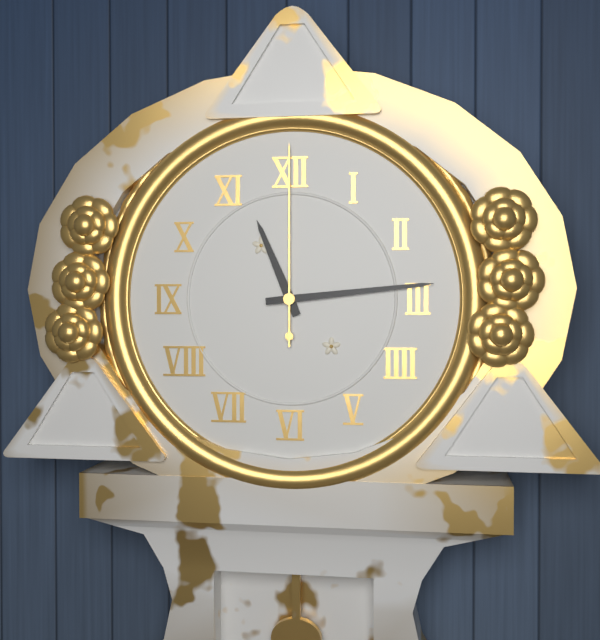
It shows 11:14:00
